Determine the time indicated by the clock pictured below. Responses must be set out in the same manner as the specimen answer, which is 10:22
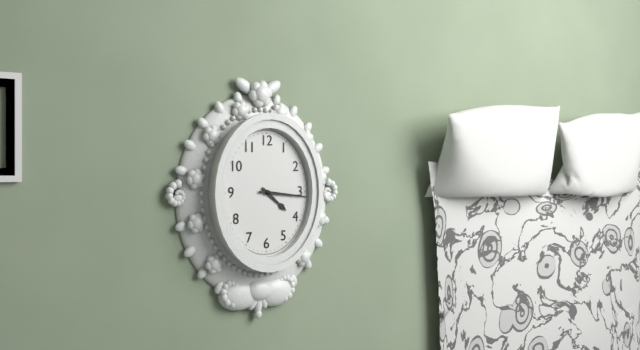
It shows 4:16
